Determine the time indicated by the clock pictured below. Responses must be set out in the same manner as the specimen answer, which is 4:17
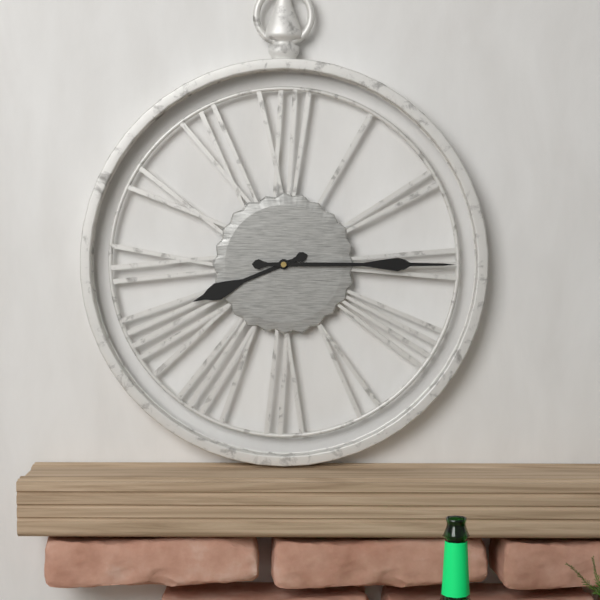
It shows 8:15
